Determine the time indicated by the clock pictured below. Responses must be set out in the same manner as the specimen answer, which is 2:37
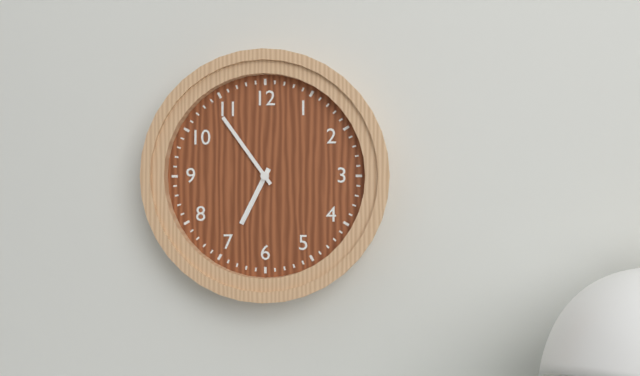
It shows 6:54
